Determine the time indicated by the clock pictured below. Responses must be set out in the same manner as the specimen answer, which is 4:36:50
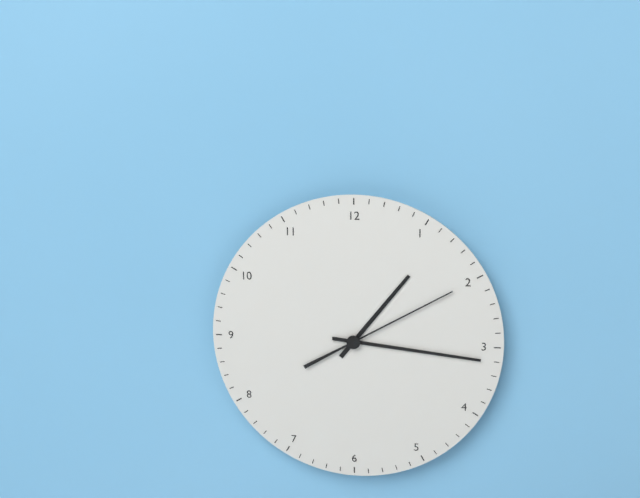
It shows 1:16:10
